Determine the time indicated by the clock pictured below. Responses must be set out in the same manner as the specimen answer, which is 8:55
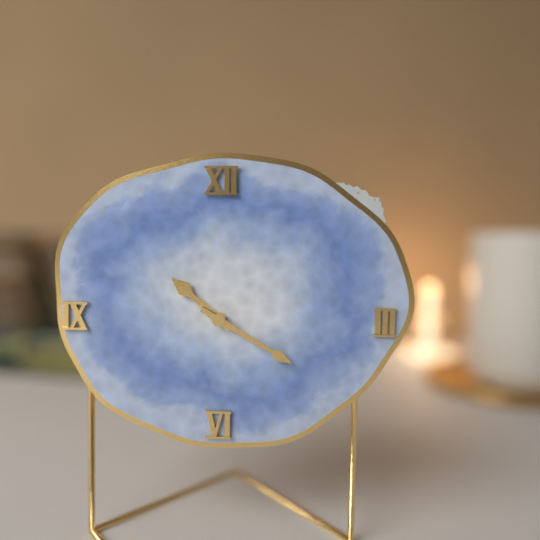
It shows 10:20
